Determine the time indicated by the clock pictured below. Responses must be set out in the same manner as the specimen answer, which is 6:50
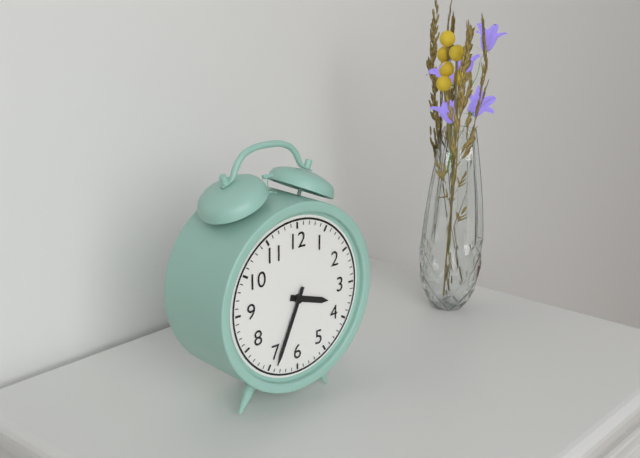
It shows 3:34
